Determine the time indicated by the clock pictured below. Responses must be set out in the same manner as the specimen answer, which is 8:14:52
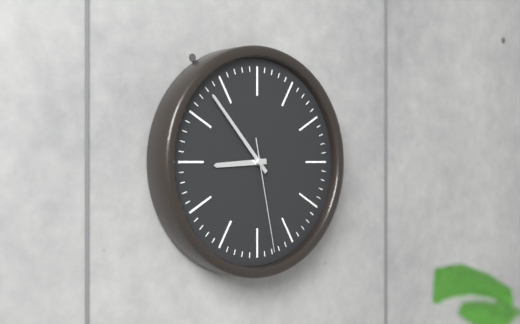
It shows 8:53:28
